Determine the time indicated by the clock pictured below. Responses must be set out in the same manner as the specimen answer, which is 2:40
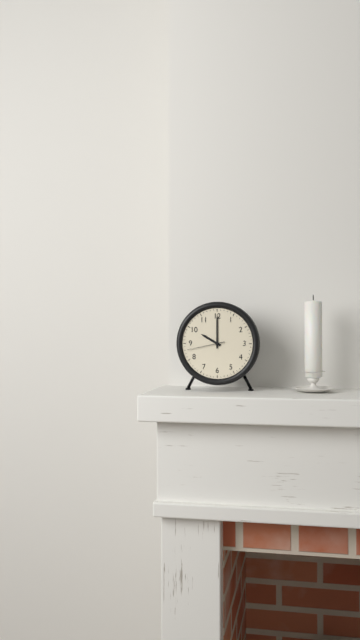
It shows 10:00
